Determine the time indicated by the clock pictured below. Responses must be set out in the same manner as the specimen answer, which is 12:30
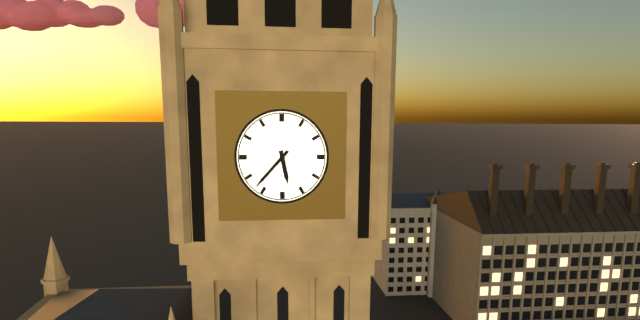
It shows 5:37
